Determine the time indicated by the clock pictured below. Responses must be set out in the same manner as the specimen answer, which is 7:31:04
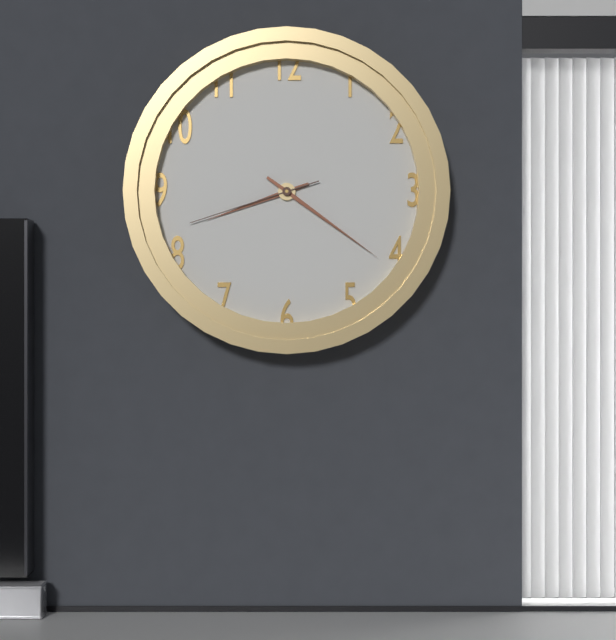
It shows 8:21:42
